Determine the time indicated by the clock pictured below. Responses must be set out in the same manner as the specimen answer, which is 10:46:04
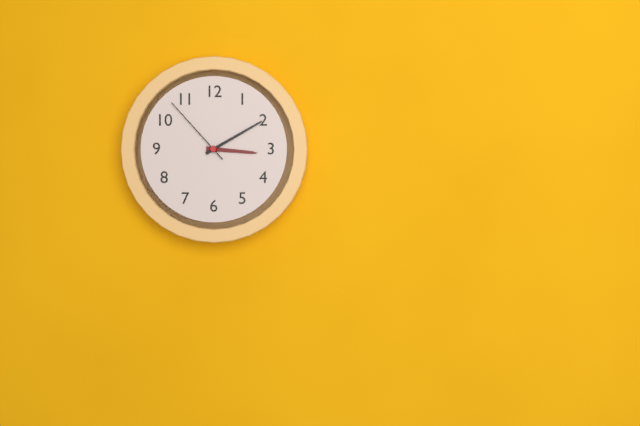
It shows 3:10:53
